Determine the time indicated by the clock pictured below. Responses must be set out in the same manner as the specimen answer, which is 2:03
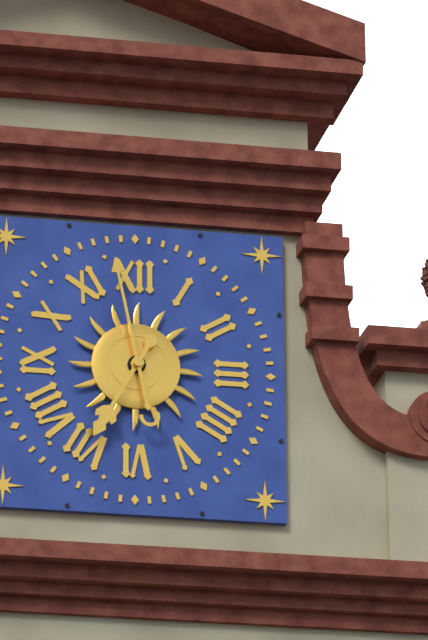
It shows 6:58
